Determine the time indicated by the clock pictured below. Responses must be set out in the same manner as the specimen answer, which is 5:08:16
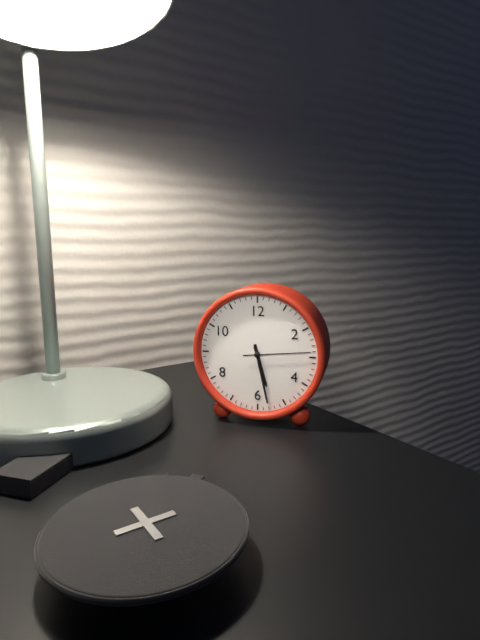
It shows 5:28:14
